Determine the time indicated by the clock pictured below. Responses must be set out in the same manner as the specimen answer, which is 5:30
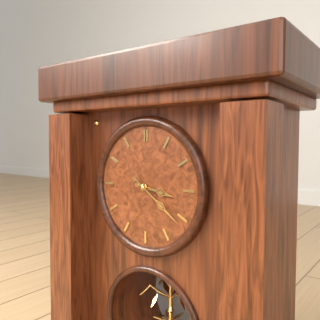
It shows 3:21
